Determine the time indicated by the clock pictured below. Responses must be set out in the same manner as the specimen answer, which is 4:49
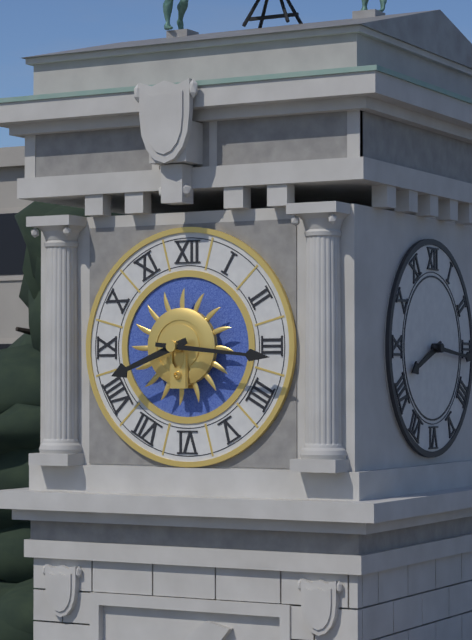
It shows 8:16
